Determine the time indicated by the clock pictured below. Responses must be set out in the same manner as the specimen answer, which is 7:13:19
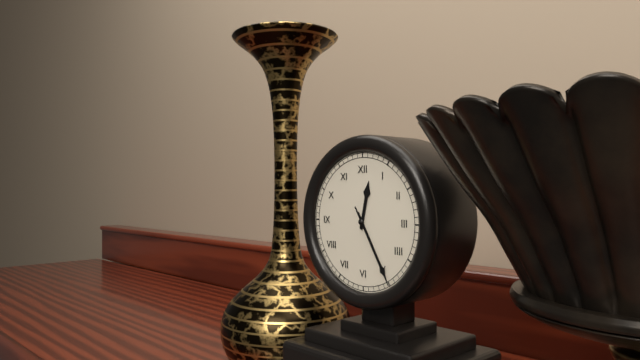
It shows 12:25:25
